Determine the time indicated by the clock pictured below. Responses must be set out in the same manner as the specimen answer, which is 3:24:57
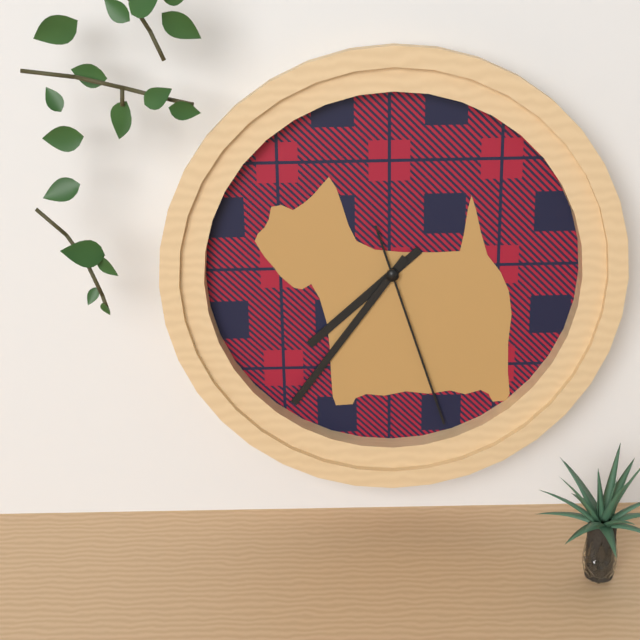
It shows 7:36:27
